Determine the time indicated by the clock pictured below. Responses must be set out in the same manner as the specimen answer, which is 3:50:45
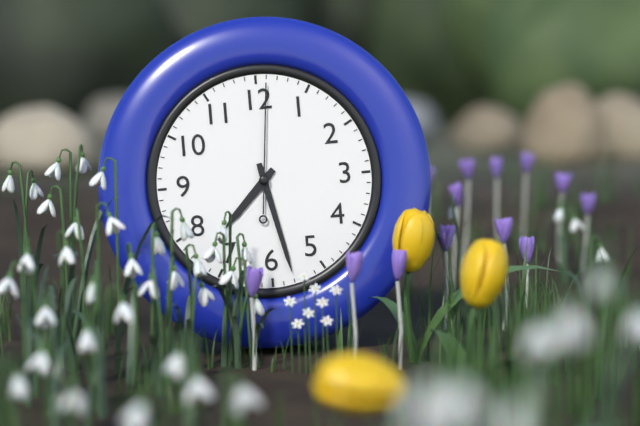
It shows 7:28:01
